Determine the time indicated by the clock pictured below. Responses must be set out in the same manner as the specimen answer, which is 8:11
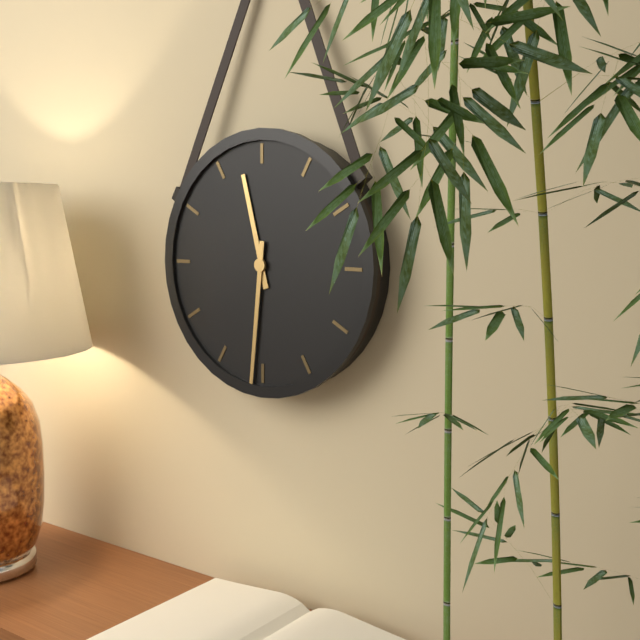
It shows 11:31
